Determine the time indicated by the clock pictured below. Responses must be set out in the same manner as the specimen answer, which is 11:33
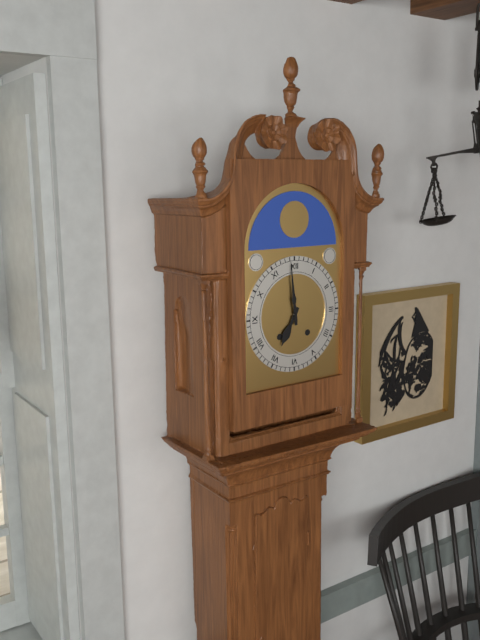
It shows 6:59
